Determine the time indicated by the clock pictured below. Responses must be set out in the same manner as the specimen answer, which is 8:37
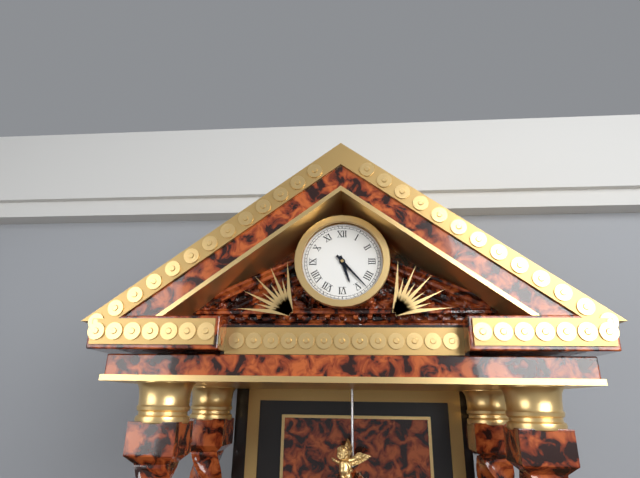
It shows 5:23
